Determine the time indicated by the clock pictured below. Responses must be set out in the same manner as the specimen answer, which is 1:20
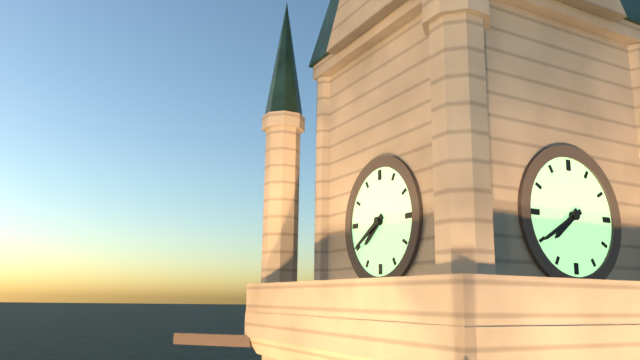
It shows 7:40
